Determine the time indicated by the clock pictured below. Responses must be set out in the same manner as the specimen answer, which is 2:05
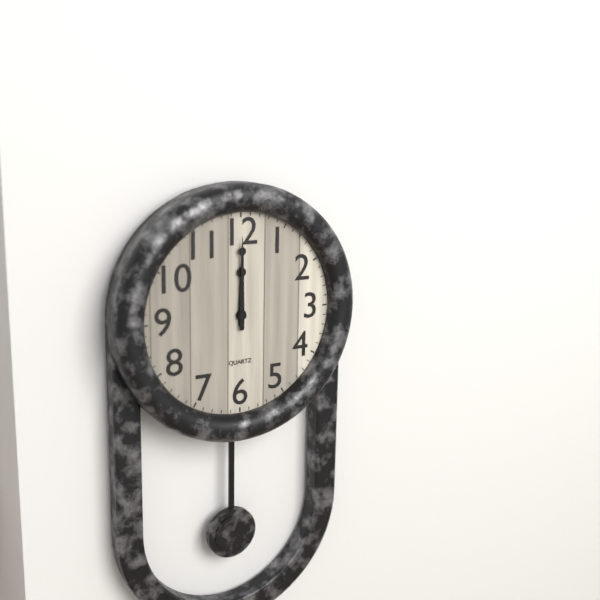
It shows 12:00
